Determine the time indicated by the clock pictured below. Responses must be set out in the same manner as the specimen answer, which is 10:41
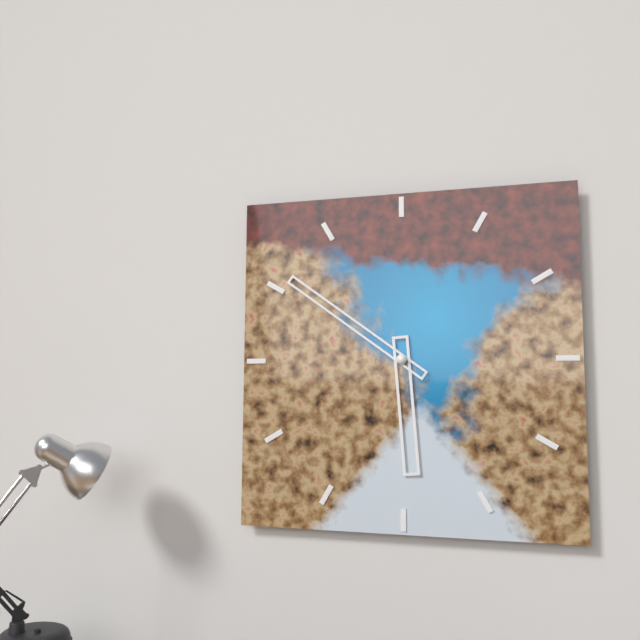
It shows 5:51
